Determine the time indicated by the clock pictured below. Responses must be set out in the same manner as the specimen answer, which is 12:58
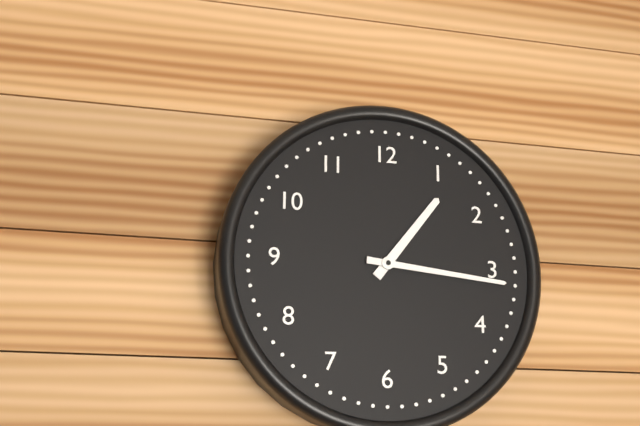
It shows 1:16
